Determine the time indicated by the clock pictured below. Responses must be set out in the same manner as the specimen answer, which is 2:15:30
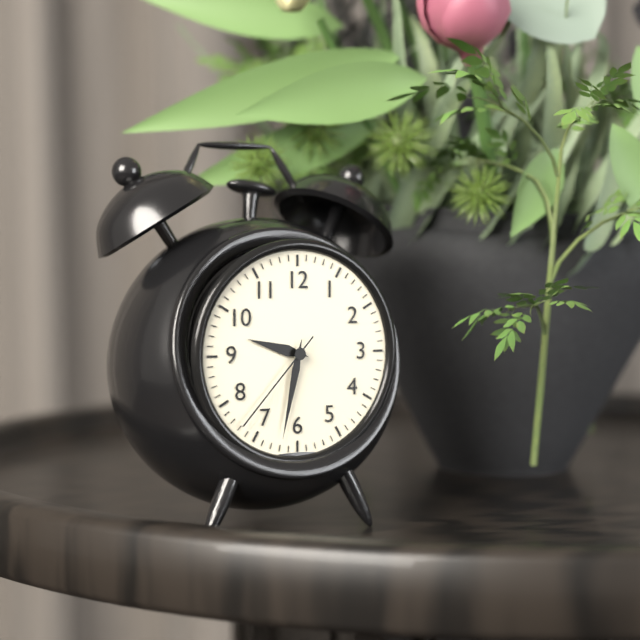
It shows 9:32:37
